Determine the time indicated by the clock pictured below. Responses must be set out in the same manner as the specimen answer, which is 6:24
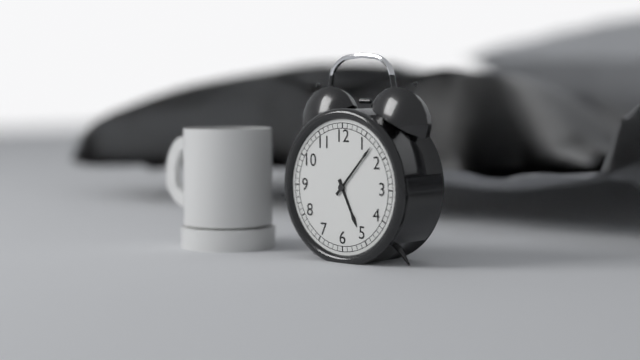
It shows 5:07
